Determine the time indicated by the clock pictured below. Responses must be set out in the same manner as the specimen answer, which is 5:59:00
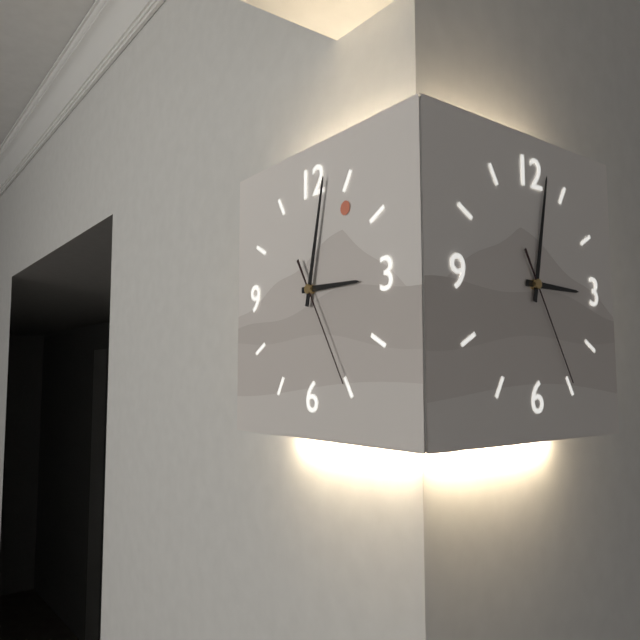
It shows 3:02:25
